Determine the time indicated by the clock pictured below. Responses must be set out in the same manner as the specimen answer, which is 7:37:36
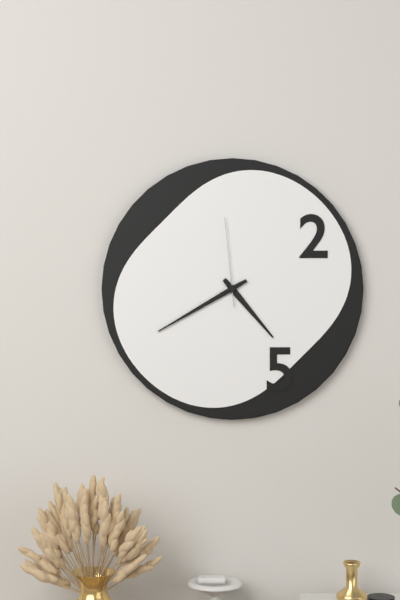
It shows 4:40:59
